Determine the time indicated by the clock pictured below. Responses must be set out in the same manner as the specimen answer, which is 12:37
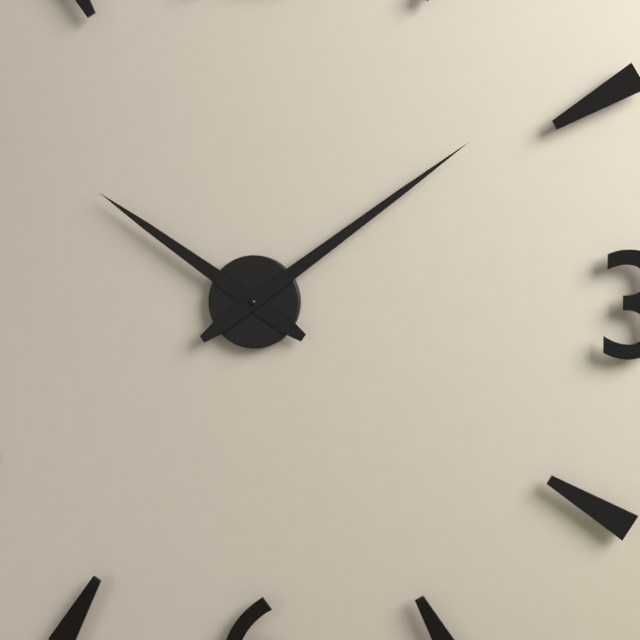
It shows 10:09
